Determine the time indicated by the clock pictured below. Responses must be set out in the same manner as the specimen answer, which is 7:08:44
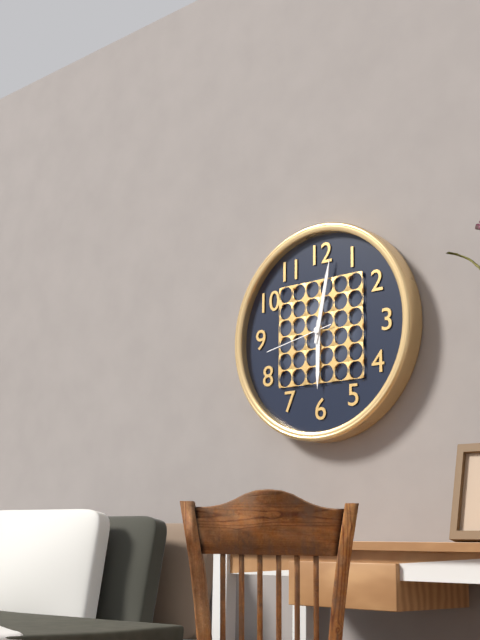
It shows 6:02:43
